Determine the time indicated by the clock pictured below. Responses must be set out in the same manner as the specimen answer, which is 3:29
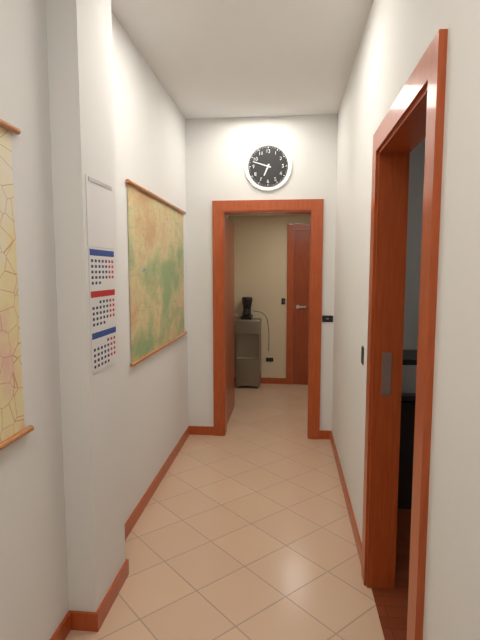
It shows 6:48
